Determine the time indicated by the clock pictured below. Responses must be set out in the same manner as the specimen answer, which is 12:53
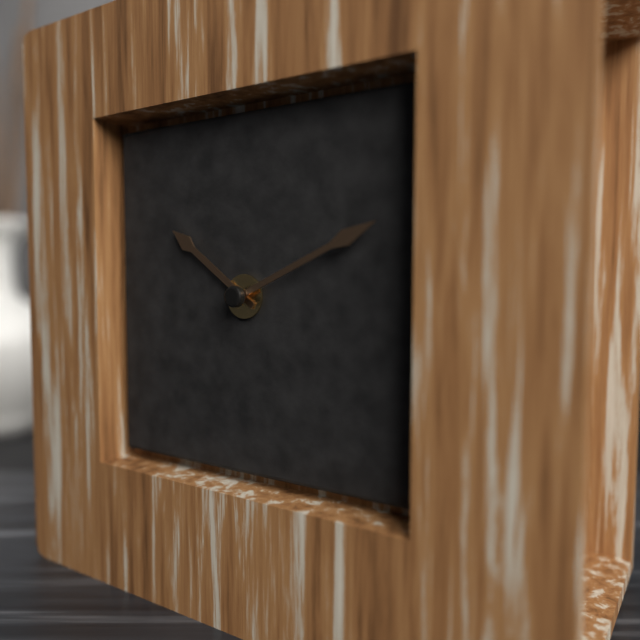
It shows 10:11
